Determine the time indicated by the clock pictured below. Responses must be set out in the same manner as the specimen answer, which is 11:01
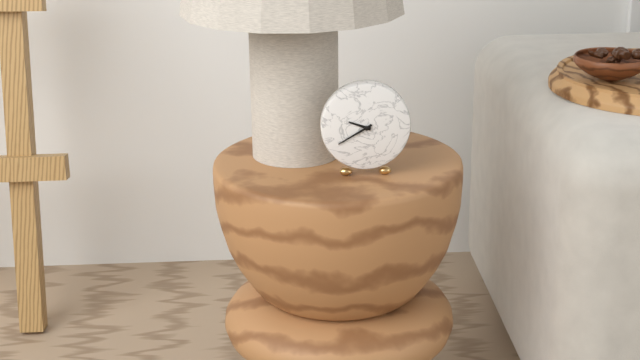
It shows 9:40
